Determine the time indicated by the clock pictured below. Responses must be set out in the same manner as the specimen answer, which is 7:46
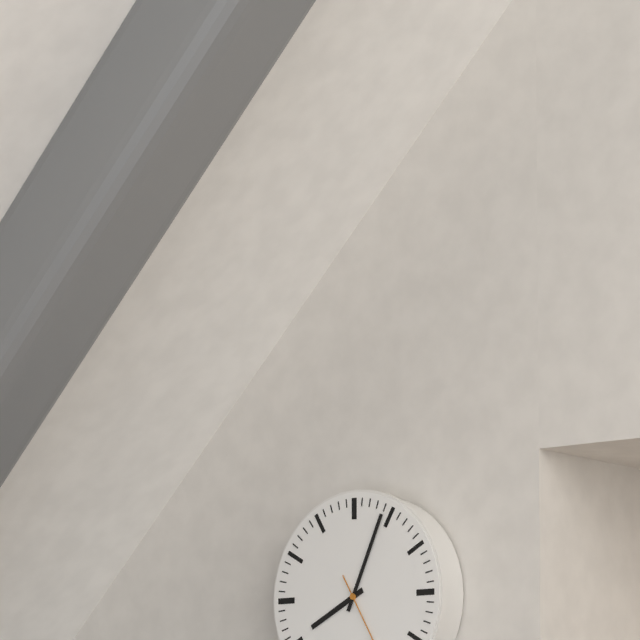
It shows 8:04
